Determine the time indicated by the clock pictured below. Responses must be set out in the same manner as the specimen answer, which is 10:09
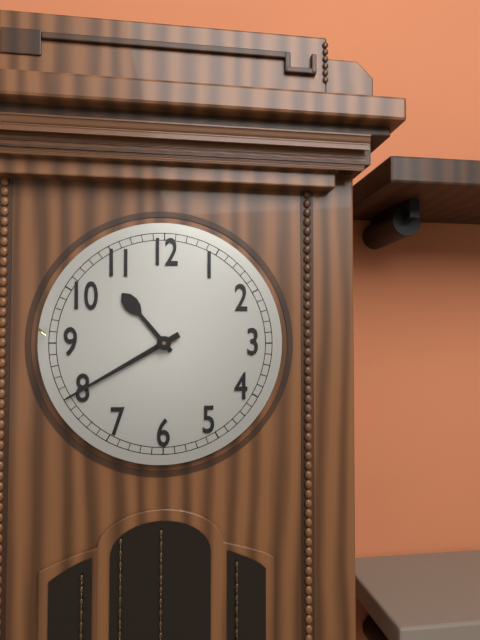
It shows 10:40
